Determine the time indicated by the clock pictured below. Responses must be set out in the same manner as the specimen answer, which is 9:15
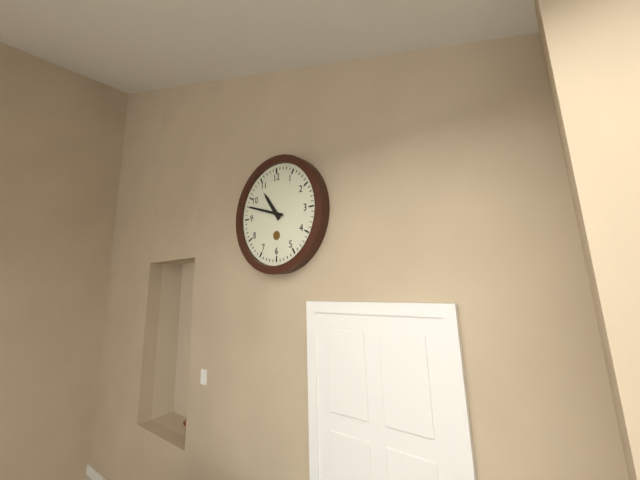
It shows 10:48
